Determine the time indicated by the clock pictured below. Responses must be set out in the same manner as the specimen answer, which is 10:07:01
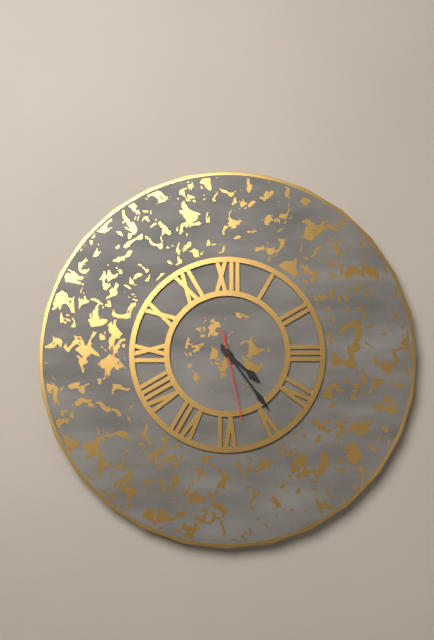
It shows 4:24:28
